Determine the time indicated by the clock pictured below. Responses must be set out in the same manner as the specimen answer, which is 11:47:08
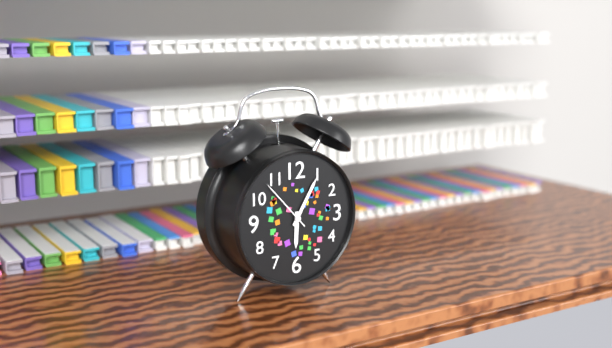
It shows 6:05:53
